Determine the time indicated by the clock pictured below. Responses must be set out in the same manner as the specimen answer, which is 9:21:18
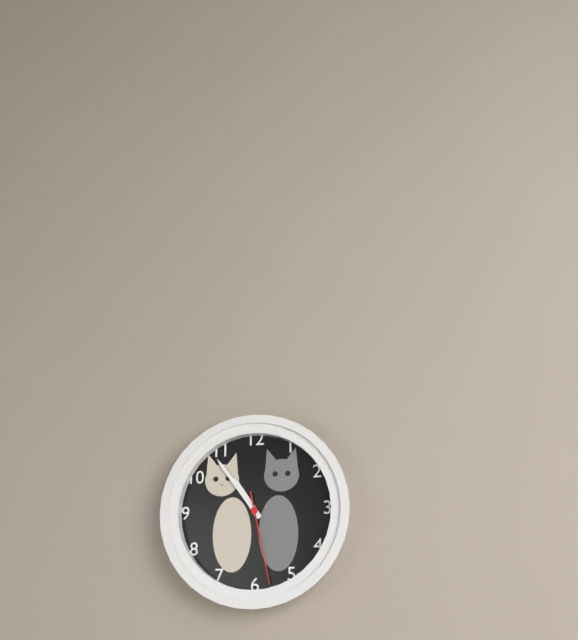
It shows 10:54:28
